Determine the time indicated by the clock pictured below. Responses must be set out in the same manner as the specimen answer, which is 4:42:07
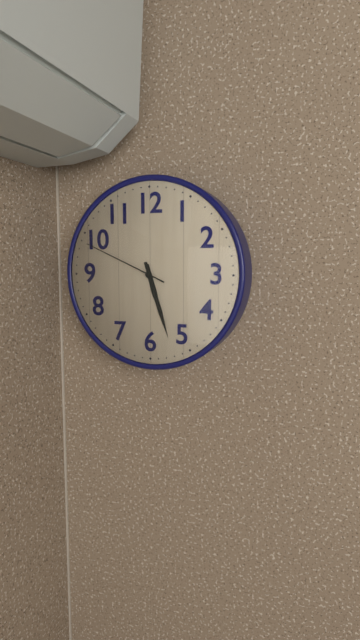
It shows 5:27:49
